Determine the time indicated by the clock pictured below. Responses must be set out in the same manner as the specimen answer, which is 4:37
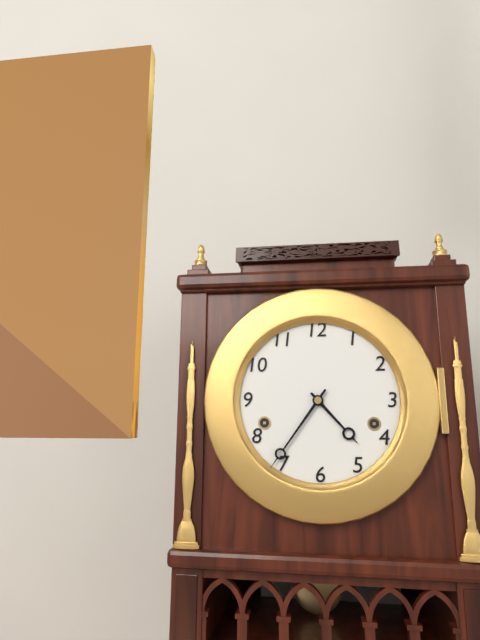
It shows 4:36
